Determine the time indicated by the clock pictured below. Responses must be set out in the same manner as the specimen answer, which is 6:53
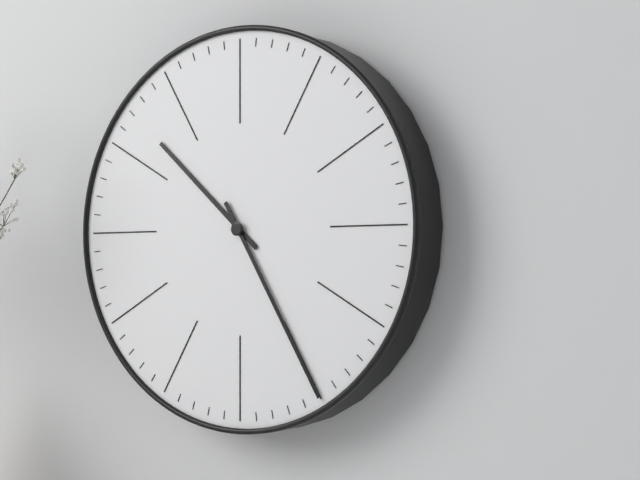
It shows 10:25
